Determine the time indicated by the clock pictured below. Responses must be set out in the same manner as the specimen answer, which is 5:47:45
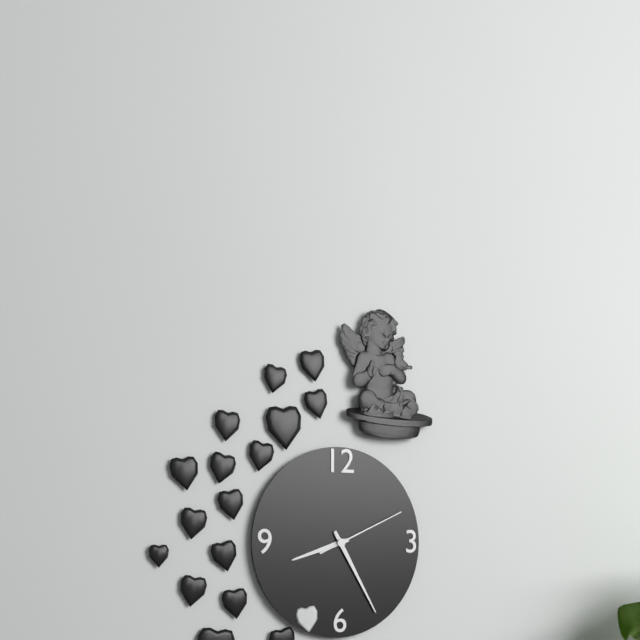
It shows 8:25:11
